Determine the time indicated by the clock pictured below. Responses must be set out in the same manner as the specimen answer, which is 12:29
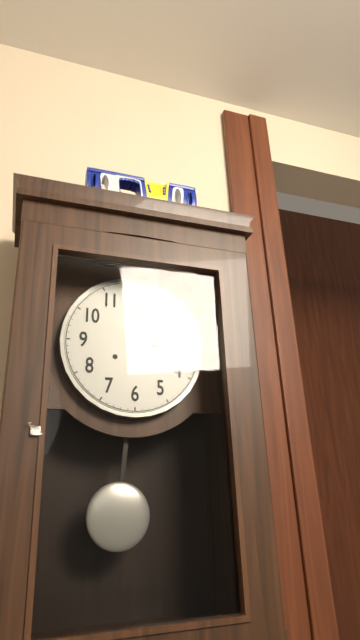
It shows 3:01
